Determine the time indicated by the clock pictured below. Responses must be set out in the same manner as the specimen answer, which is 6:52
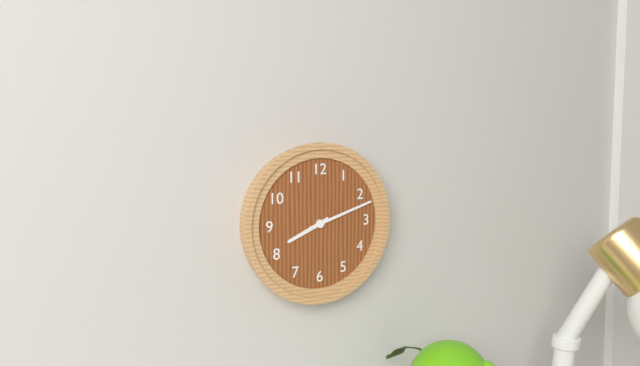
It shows 8:12
